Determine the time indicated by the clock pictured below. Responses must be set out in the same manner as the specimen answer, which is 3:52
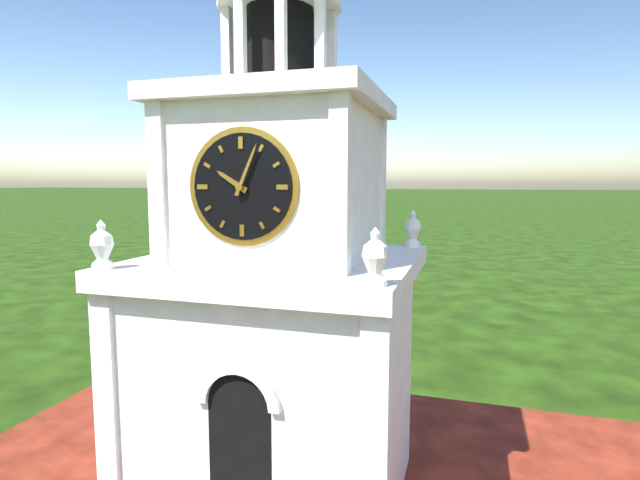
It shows 10:04
